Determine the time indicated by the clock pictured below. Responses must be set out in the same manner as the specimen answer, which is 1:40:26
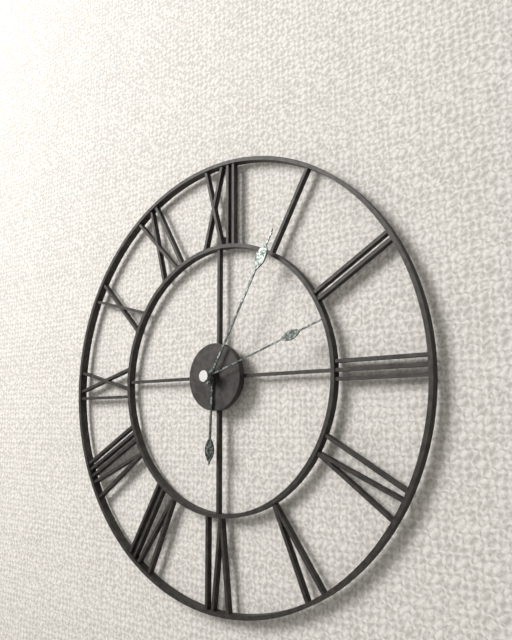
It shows 6:05:12
